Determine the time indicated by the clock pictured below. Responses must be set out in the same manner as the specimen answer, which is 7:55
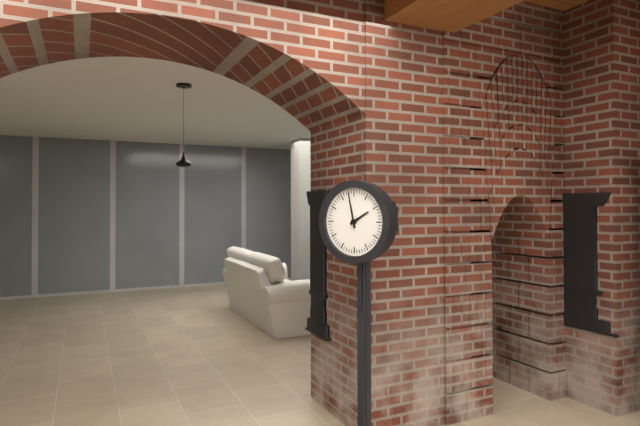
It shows 1:58
